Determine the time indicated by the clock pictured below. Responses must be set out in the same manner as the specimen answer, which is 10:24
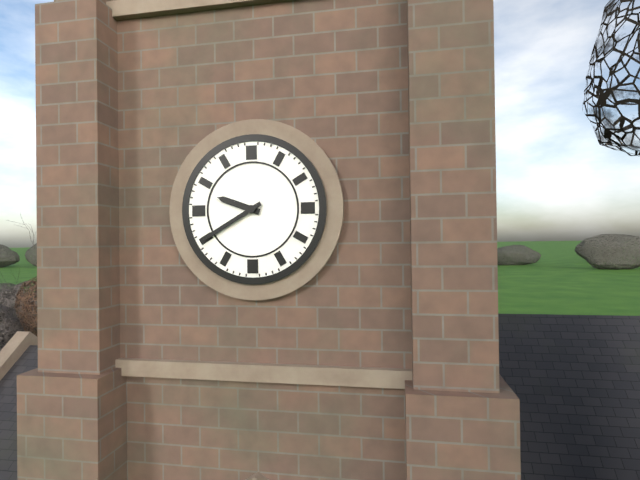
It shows 9:40
